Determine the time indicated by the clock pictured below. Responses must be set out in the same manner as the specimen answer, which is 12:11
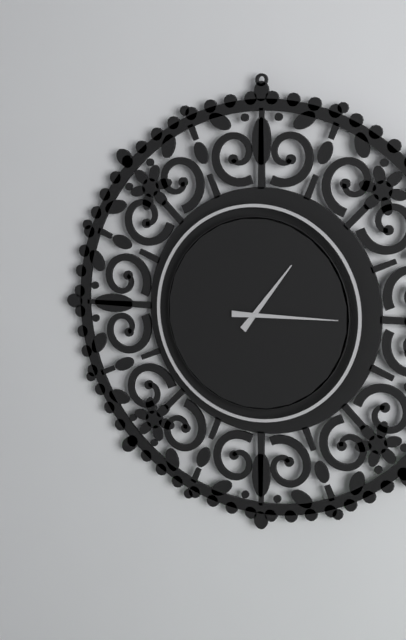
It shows 1:15
